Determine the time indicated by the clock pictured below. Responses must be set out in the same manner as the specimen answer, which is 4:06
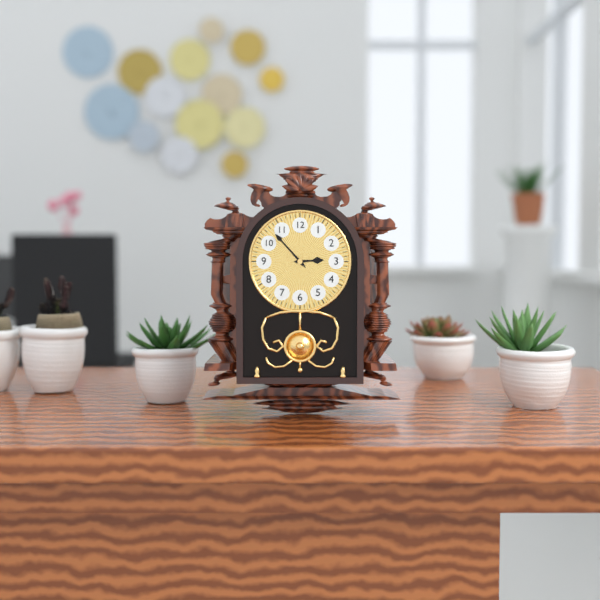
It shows 2:53
